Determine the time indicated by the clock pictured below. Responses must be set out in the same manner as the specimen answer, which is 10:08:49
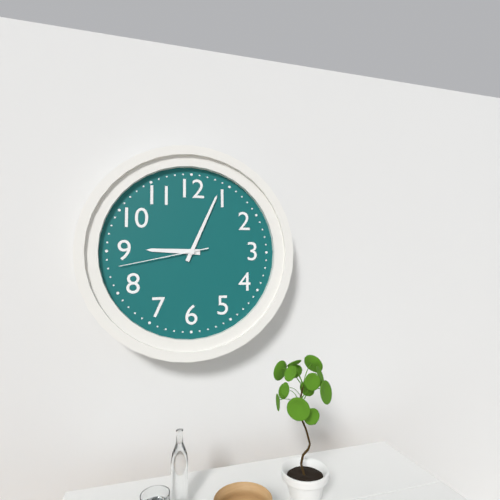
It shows 9:04:43
